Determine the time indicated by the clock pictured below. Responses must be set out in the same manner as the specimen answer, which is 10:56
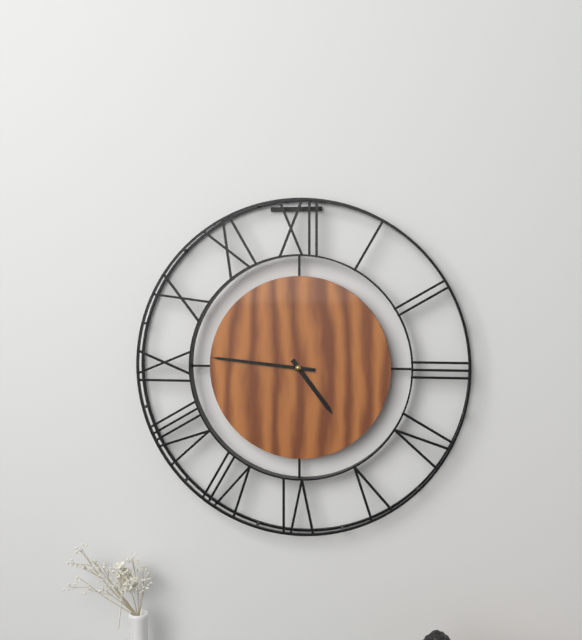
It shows 4:46
